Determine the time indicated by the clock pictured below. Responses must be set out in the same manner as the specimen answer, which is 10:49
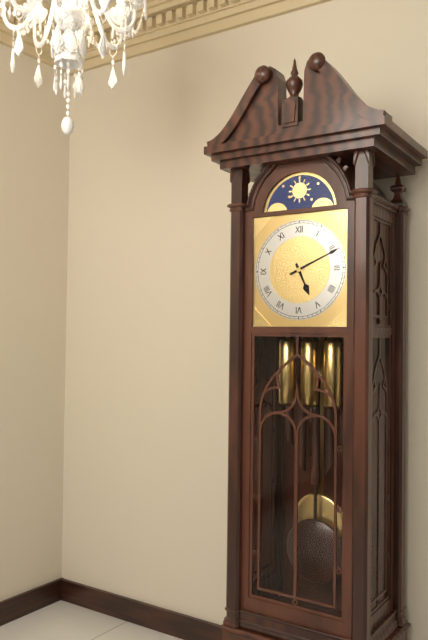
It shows 5:11
